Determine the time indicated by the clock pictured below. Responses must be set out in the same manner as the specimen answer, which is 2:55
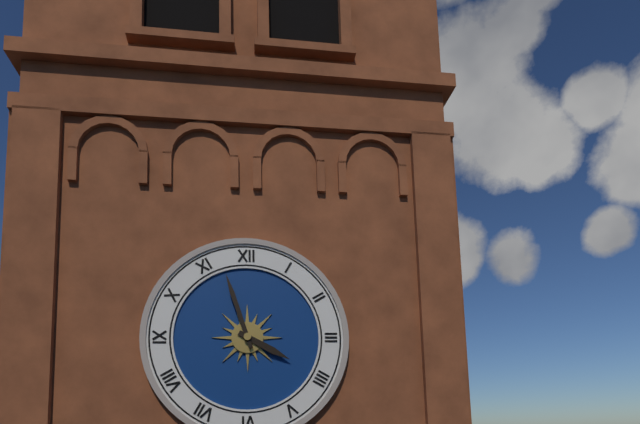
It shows 3:57
